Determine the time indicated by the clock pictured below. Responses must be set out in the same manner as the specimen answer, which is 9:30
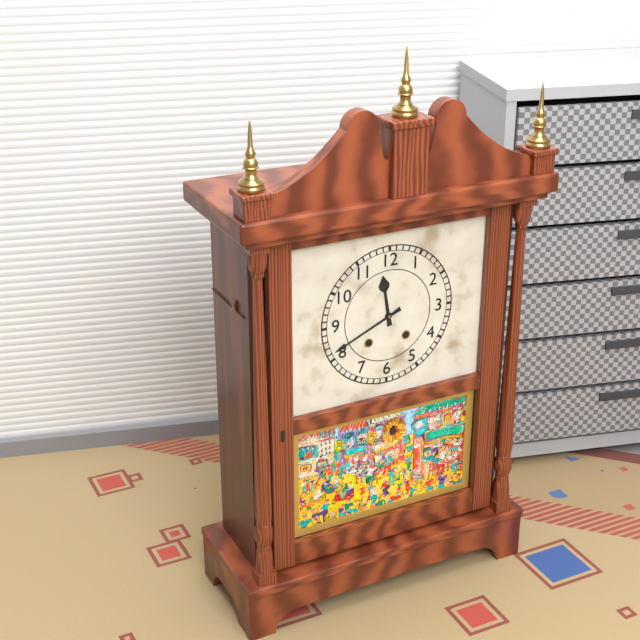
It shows 11:41
